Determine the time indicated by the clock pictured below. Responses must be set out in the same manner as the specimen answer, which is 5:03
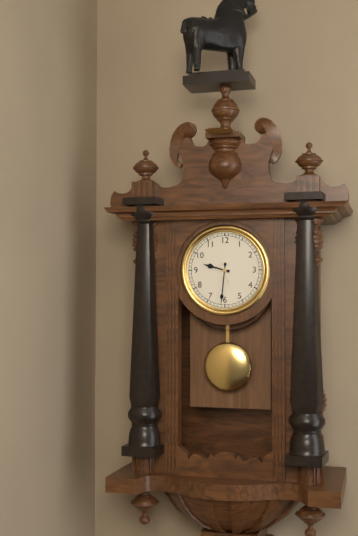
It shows 9:31
